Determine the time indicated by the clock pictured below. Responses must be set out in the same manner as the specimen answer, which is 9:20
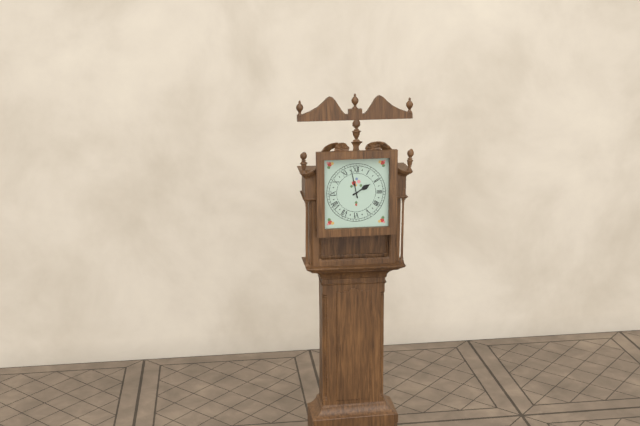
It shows 1:58
